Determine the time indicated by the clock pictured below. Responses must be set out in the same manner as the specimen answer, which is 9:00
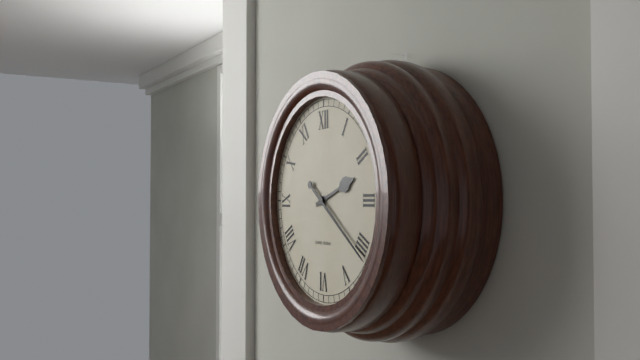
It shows 2:21
